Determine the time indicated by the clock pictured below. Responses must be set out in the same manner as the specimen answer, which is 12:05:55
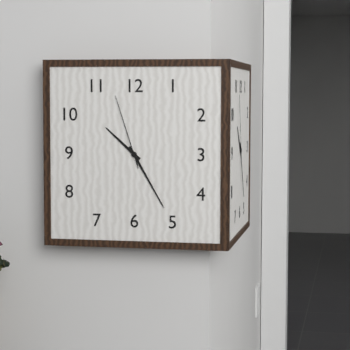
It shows 10:25:57
